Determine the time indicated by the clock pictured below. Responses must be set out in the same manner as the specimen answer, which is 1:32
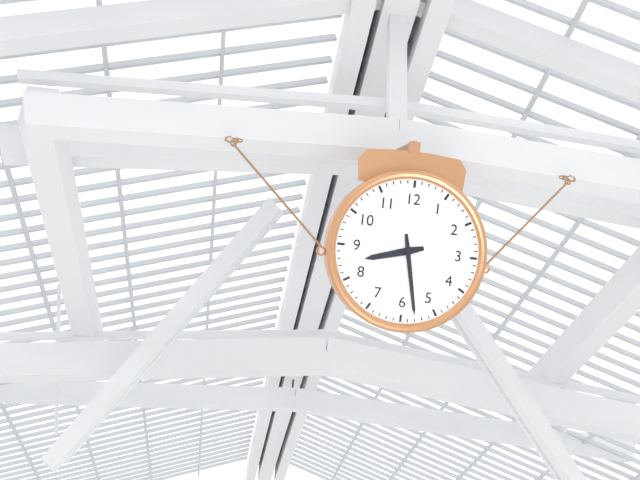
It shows 8:28
